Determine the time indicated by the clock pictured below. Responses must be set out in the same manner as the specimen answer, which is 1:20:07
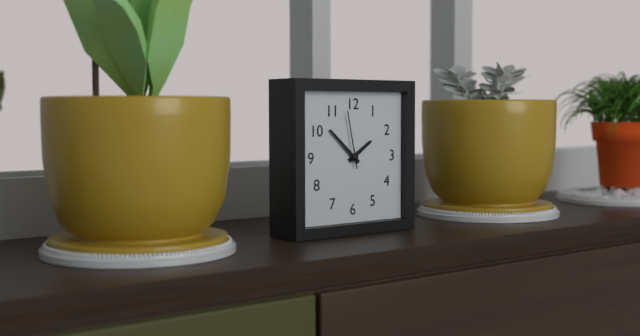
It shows 1:52:58
